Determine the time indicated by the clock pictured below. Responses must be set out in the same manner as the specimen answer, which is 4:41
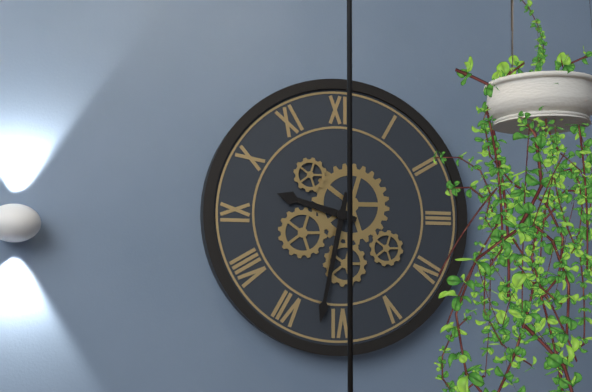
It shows 9:32
